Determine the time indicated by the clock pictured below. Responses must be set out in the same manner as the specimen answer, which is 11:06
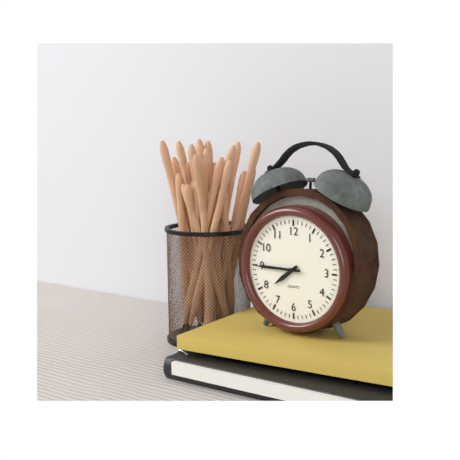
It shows 7:45
